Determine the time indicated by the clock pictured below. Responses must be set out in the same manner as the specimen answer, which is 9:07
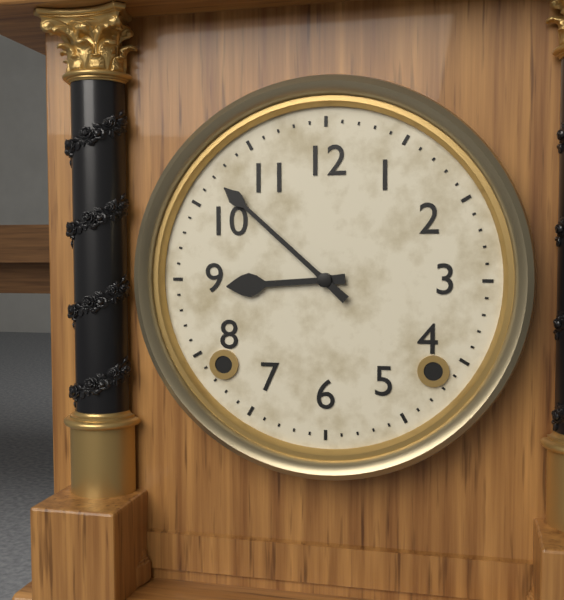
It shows 8:52
